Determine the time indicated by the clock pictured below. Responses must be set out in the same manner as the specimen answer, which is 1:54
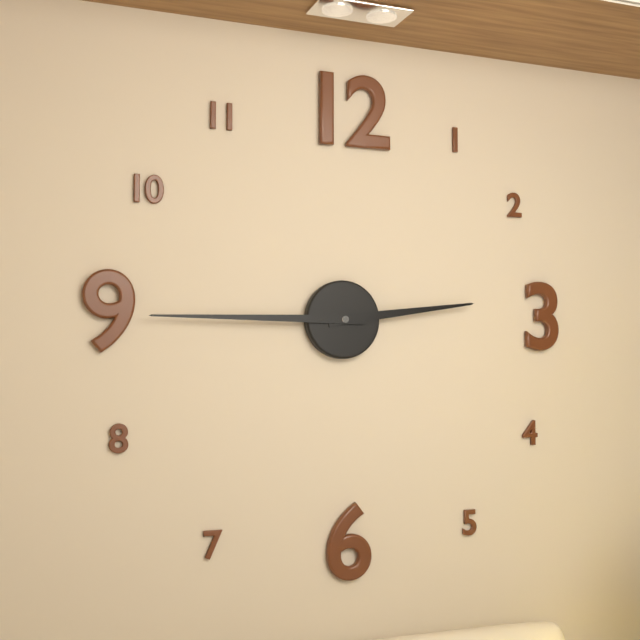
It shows 2:45
